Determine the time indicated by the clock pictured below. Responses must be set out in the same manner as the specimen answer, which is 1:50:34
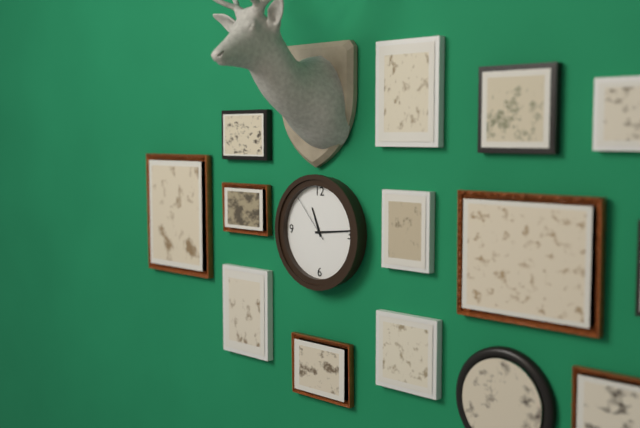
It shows 11:14:53
